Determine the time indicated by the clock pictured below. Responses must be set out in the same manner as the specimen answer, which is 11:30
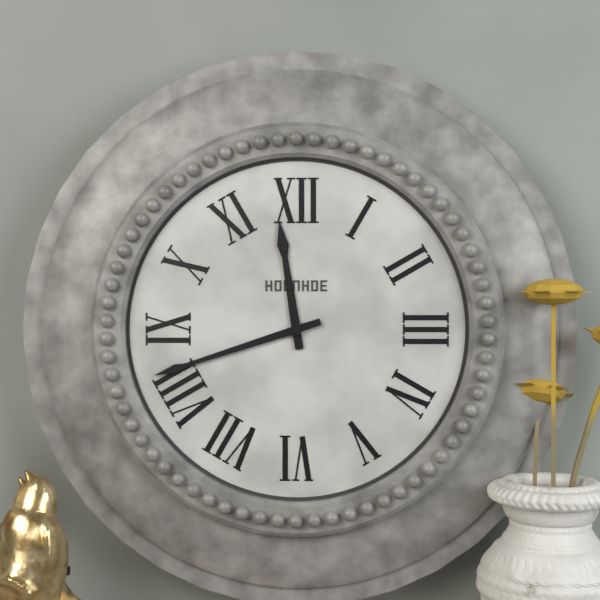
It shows 11:42
